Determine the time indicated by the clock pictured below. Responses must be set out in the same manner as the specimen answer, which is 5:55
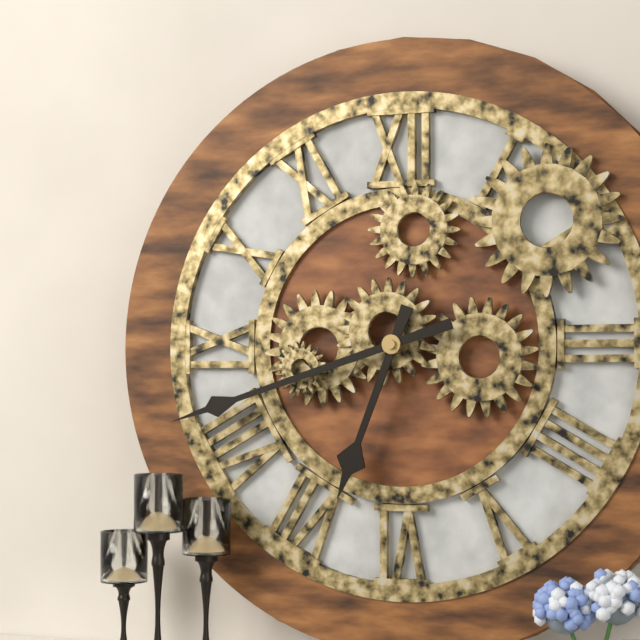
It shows 6:42
